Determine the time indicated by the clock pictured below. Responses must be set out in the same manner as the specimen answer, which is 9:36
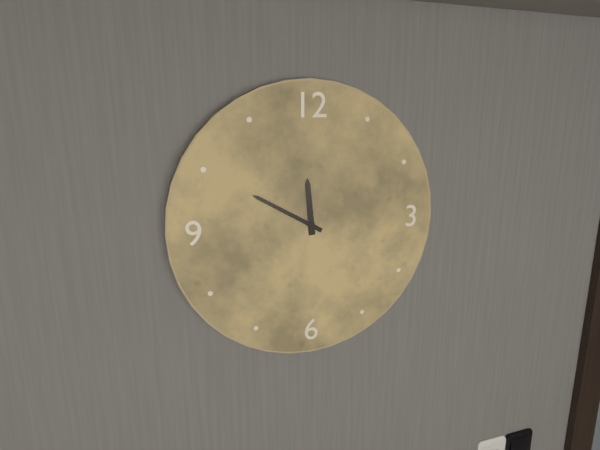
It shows 11:50
